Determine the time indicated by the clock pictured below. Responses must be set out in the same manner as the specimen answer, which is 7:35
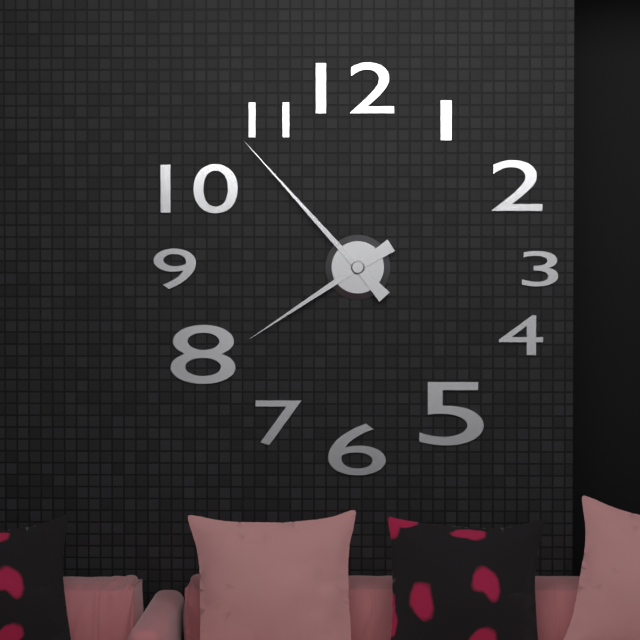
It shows 7:53
